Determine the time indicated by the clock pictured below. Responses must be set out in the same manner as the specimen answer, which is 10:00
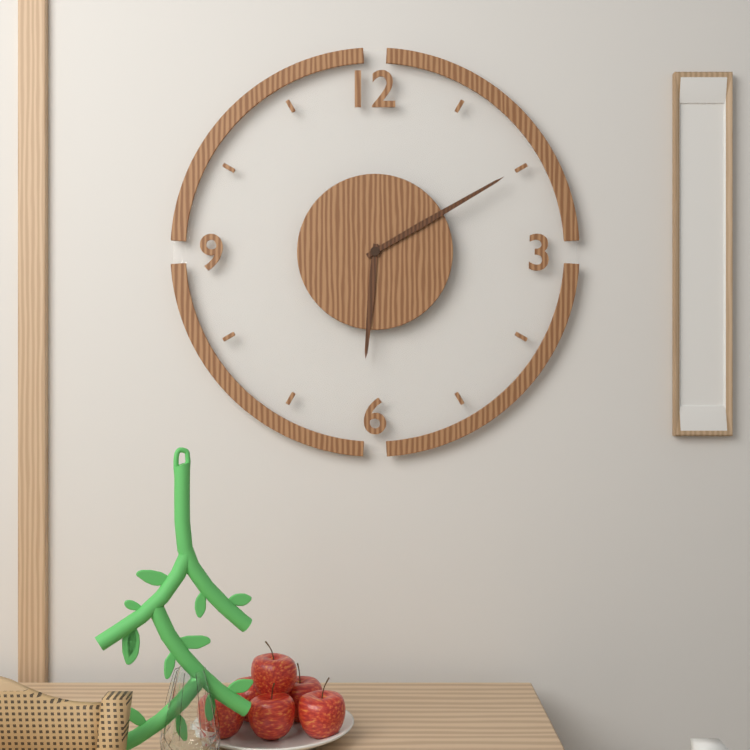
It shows 6:10
